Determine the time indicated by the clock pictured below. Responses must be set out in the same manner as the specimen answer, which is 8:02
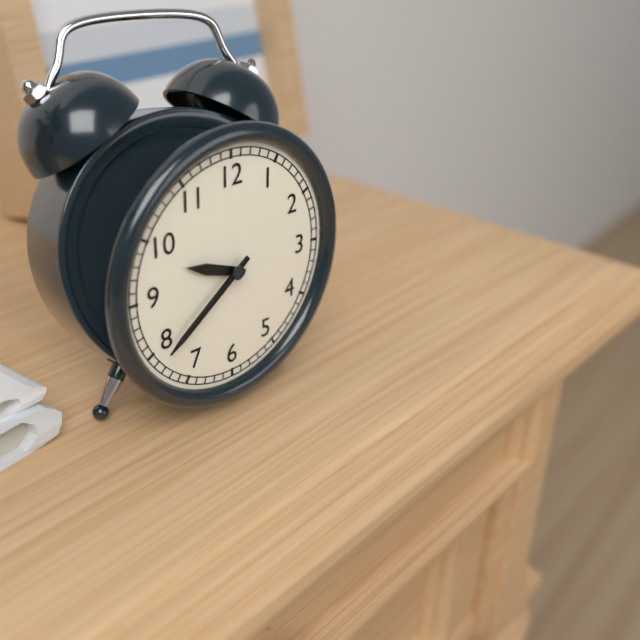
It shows 9:39
